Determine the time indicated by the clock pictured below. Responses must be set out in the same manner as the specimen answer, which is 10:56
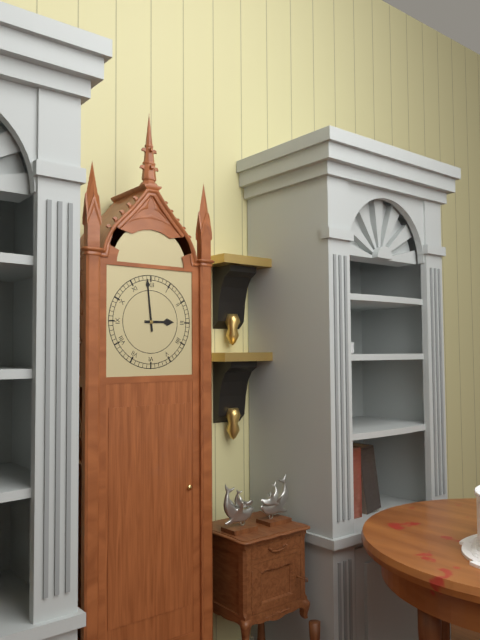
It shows 2:59
